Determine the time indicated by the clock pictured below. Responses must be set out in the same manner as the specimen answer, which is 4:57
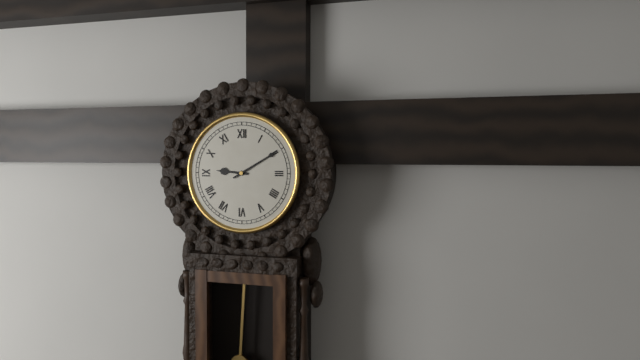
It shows 9:10
